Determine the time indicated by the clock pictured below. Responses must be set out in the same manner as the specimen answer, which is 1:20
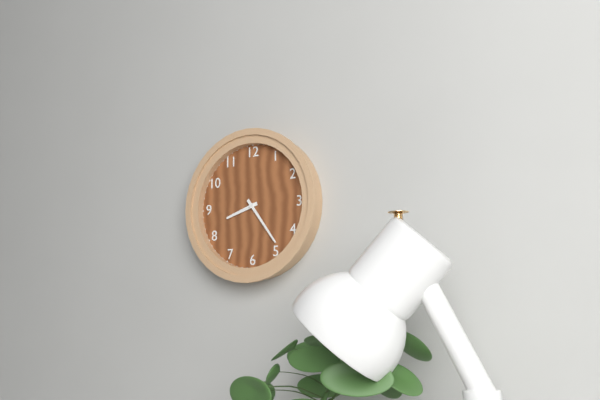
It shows 8:24
